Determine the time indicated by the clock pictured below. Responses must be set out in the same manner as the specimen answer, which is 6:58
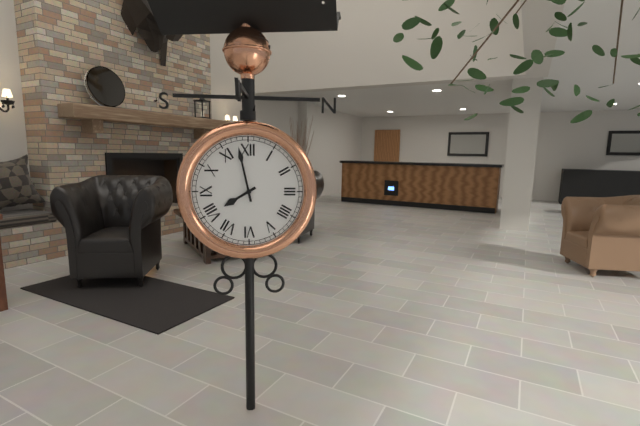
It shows 7:58
